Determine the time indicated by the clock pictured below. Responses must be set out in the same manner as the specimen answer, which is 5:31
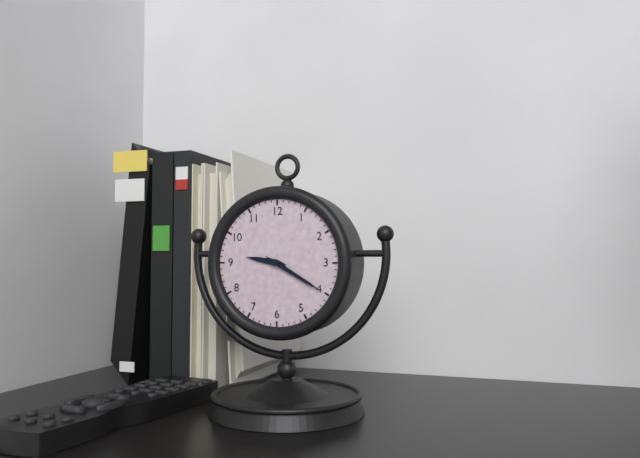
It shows 9:20
